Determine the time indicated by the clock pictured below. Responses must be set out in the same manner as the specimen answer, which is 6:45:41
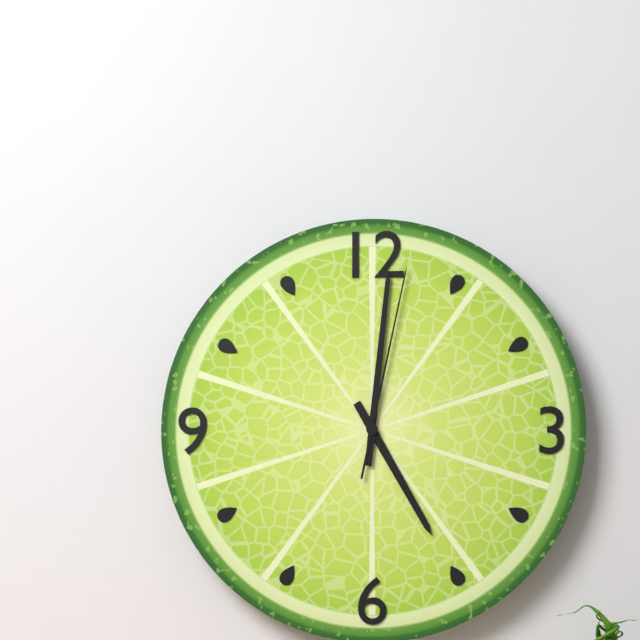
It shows 5:01:02
